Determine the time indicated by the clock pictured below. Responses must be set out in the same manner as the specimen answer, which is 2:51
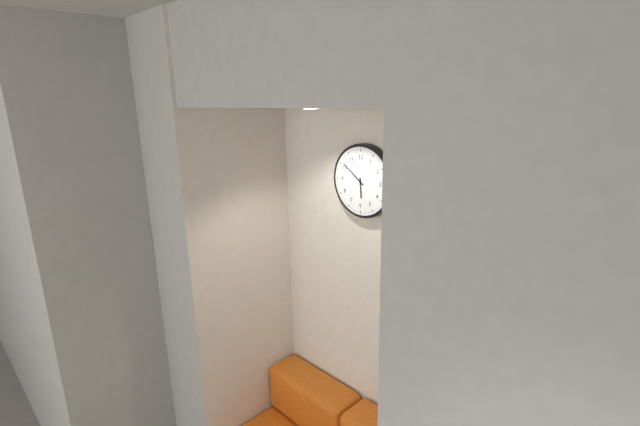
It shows 5:51
